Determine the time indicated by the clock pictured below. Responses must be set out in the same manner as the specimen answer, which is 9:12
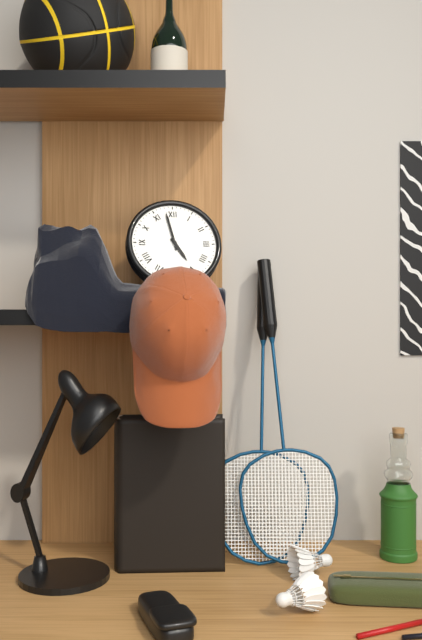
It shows 4:58
